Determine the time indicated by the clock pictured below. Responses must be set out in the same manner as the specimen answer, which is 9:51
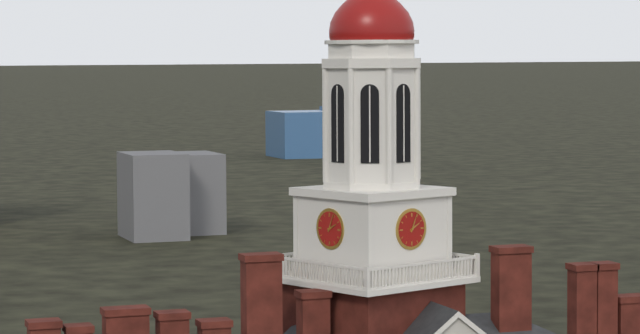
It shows 2:04
